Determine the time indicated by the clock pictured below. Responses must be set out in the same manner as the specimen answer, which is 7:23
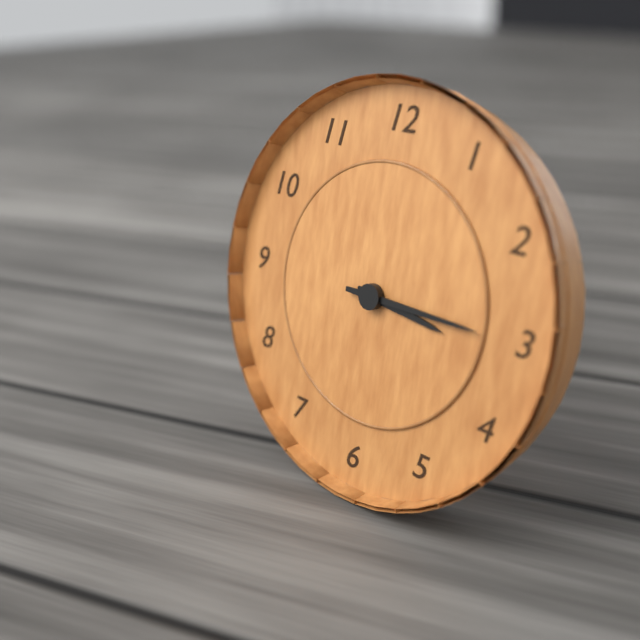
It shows 3:15
